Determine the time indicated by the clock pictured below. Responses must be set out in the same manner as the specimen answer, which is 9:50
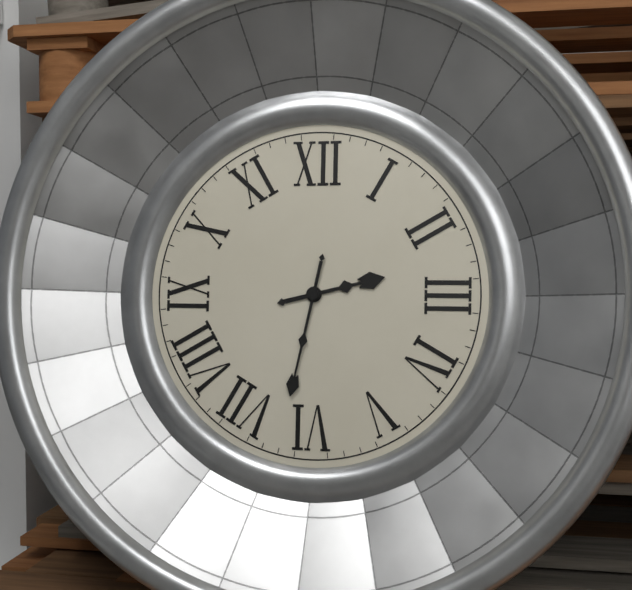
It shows 2:32
